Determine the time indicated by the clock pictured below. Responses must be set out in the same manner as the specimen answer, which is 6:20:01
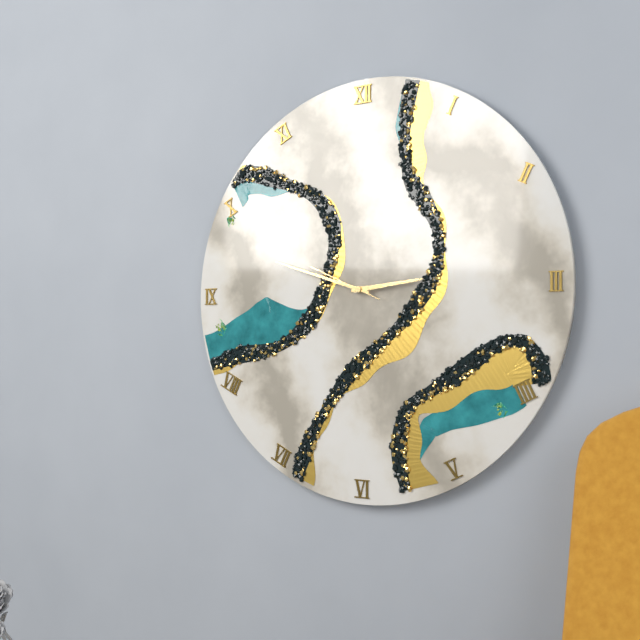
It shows 2:48:49
